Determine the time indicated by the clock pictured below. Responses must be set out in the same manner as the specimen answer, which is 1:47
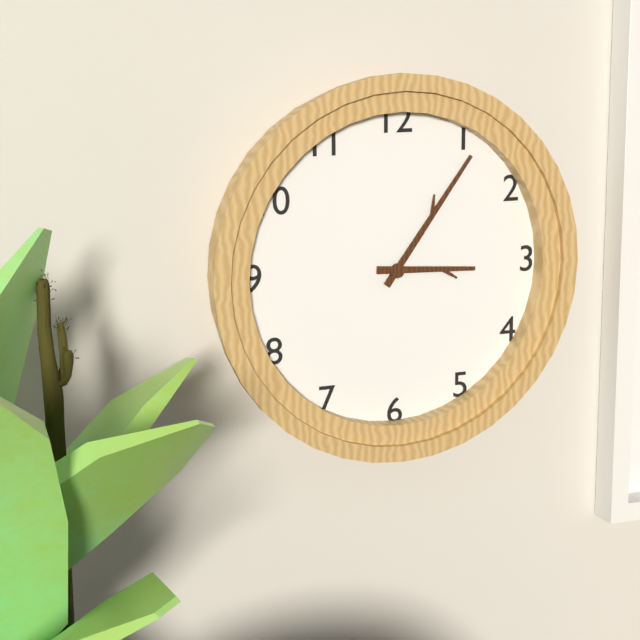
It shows 3:06
